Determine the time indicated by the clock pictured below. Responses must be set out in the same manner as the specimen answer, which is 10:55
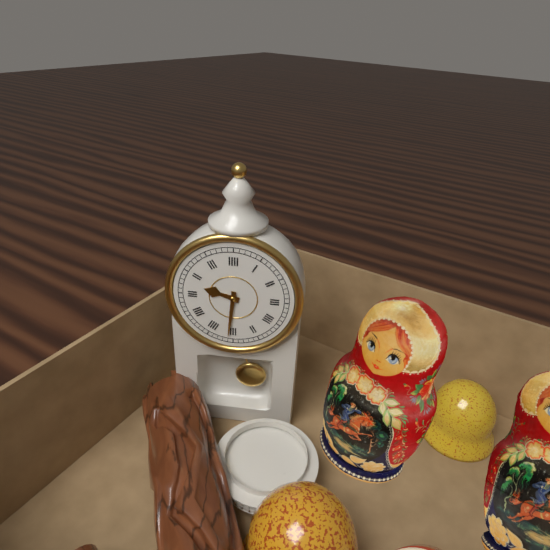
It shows 9:31
